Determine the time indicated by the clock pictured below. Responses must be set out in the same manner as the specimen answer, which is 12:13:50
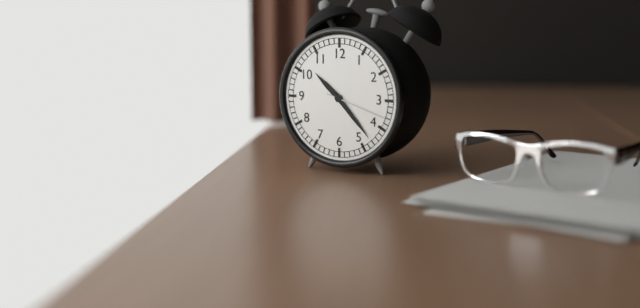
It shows 10:23:18
